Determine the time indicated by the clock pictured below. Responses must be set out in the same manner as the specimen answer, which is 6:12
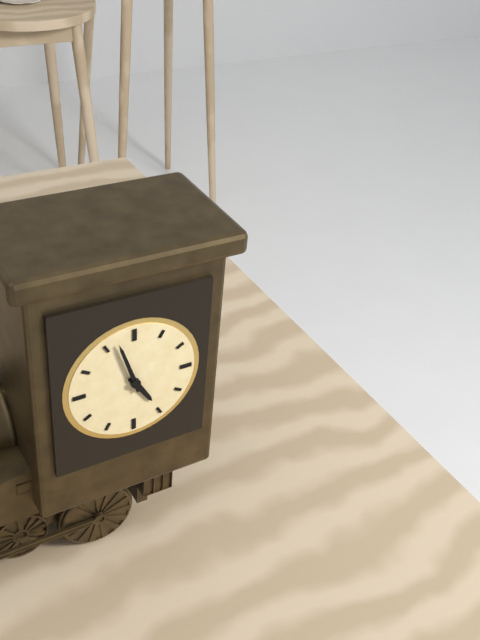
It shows 4:57
